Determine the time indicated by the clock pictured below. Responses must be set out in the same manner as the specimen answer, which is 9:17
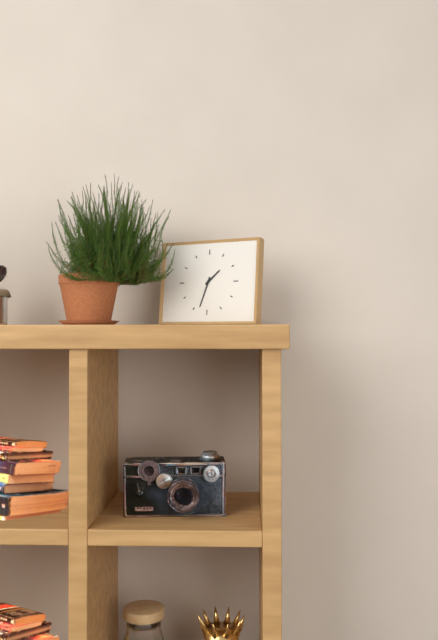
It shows 1:33
